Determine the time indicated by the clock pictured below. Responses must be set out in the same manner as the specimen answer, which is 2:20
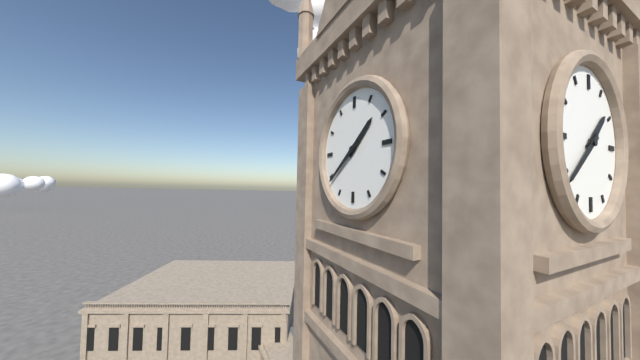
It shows 1:39
